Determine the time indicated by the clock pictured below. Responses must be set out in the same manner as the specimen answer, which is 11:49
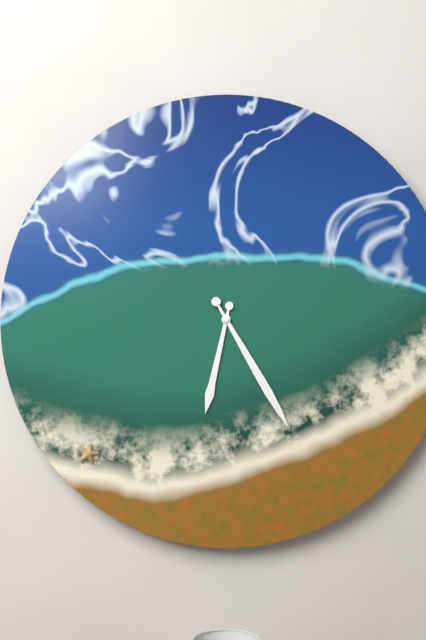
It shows 6:25
